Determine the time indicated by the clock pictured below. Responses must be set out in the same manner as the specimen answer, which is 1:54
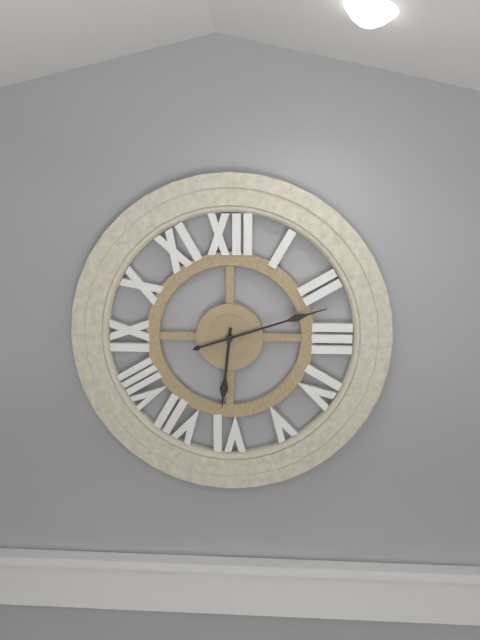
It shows 6:12
